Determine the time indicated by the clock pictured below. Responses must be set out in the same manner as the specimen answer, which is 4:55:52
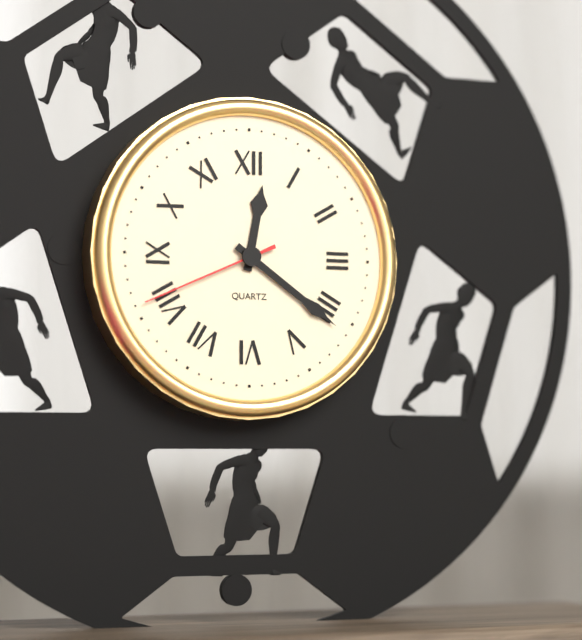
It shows 12:21:41
